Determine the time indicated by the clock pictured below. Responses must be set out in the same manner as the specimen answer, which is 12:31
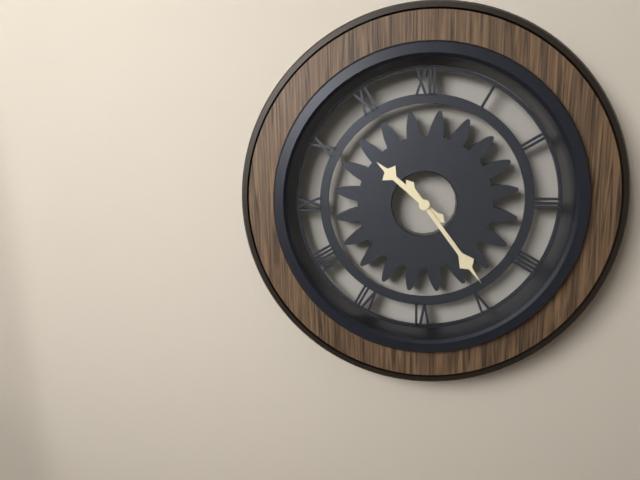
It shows 10:24
